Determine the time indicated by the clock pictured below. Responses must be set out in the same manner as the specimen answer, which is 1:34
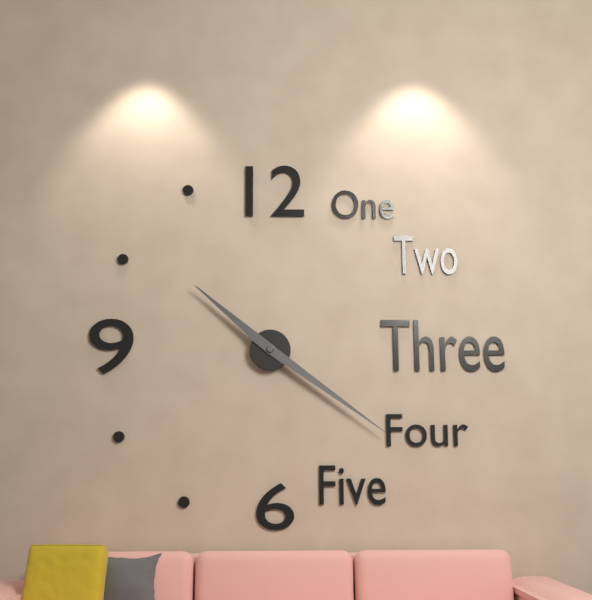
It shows 10:21
